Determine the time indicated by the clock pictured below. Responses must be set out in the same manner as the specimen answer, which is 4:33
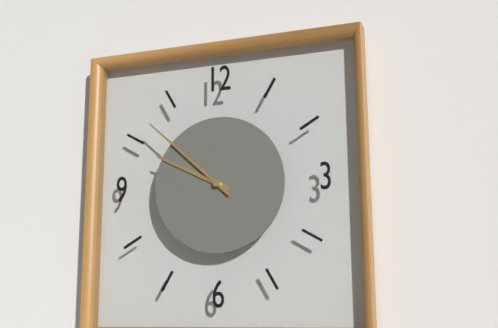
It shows 9:52
